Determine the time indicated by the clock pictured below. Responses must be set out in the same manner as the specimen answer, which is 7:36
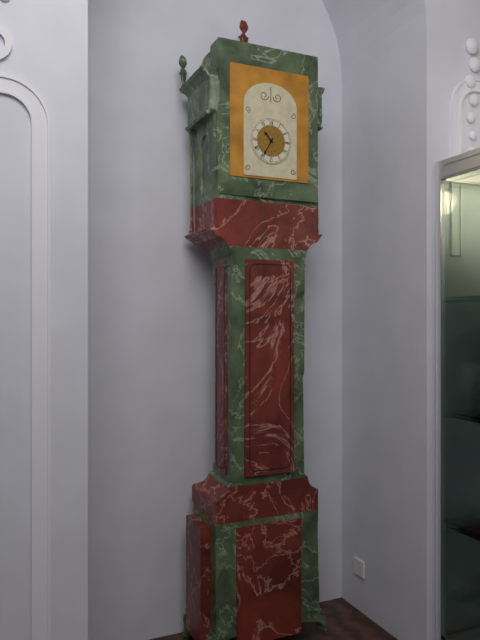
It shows 10:35
